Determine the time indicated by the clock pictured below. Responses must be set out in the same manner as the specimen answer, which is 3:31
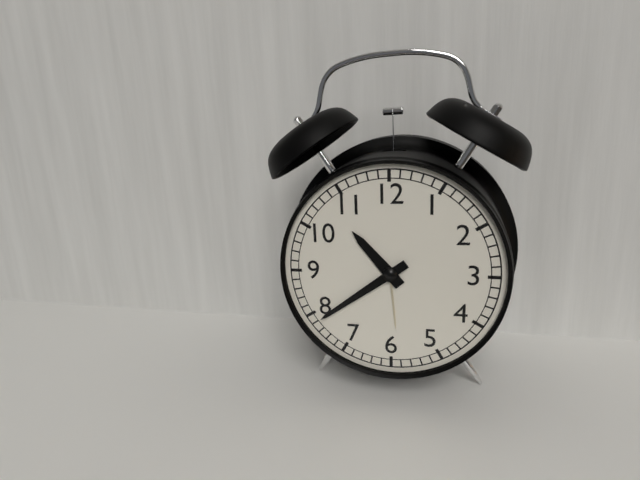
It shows 10:39
